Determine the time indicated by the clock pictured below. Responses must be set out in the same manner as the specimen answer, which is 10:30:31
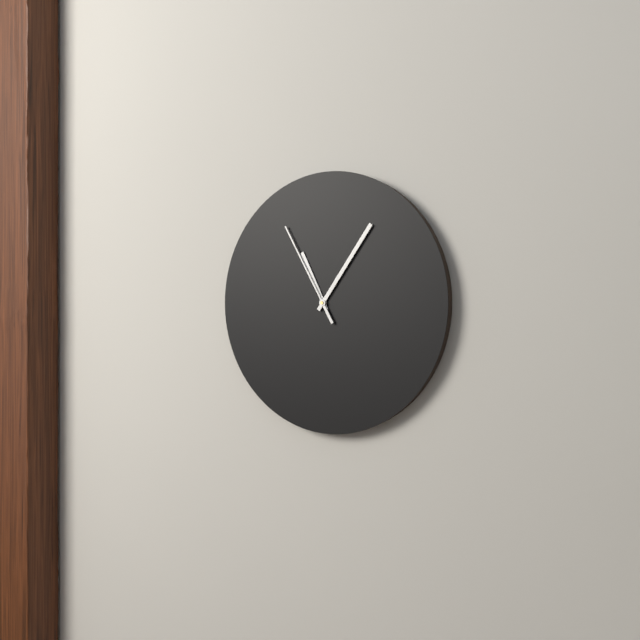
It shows 11:06:55
